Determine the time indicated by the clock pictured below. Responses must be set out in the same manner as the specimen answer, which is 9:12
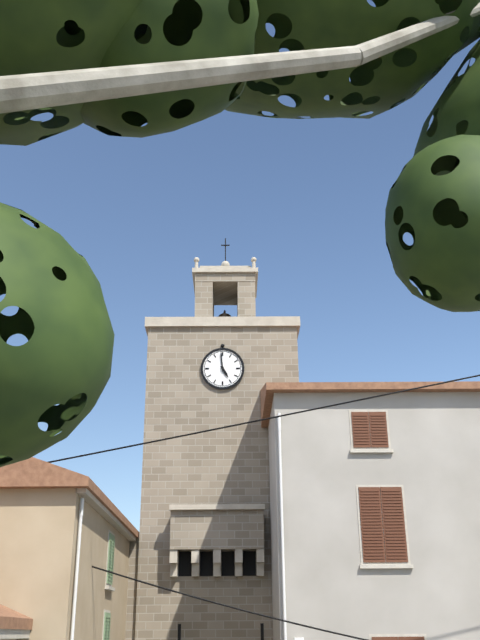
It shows 4:59
